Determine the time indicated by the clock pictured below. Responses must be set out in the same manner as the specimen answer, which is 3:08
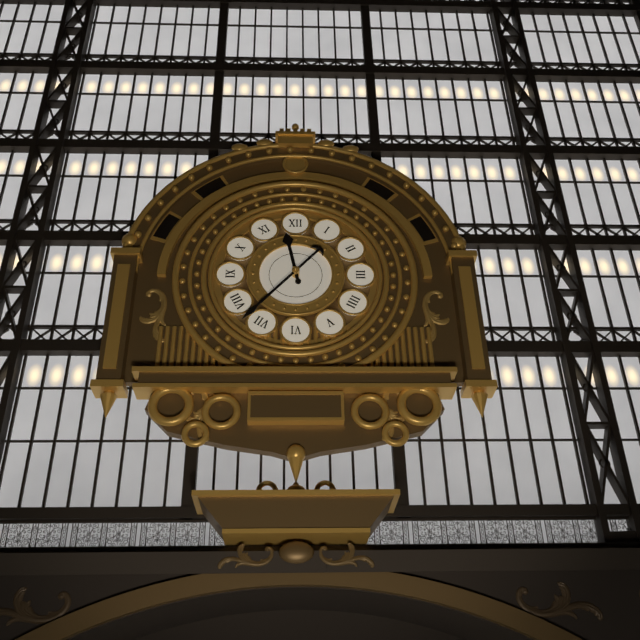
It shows 11:37
